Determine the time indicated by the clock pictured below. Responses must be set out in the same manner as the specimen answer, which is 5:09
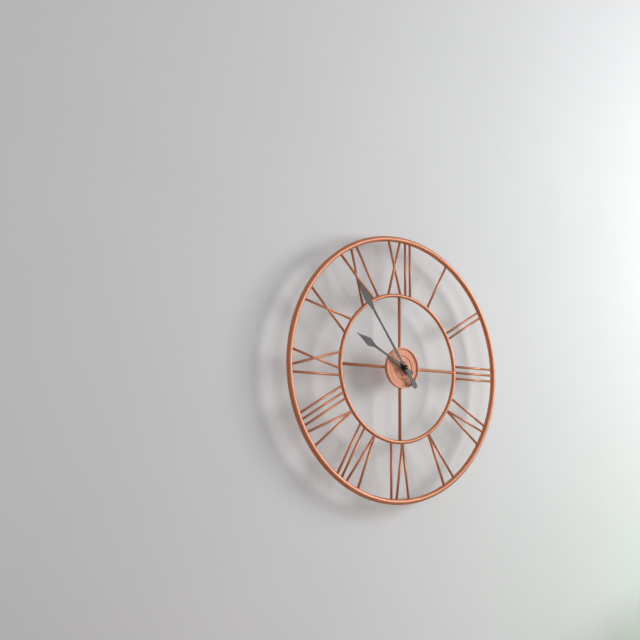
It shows 9:54
